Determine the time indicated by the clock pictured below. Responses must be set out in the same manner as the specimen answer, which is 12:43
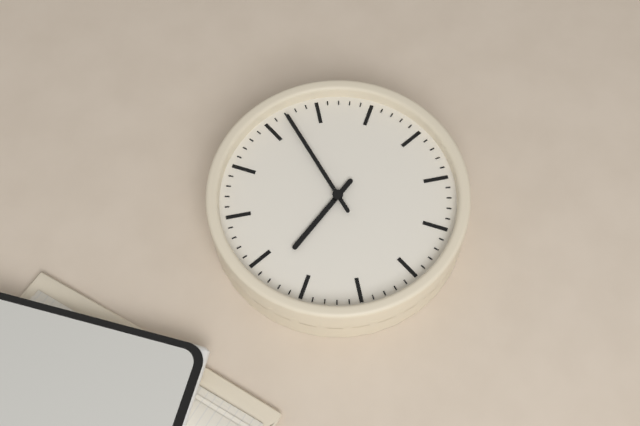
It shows 3:37
